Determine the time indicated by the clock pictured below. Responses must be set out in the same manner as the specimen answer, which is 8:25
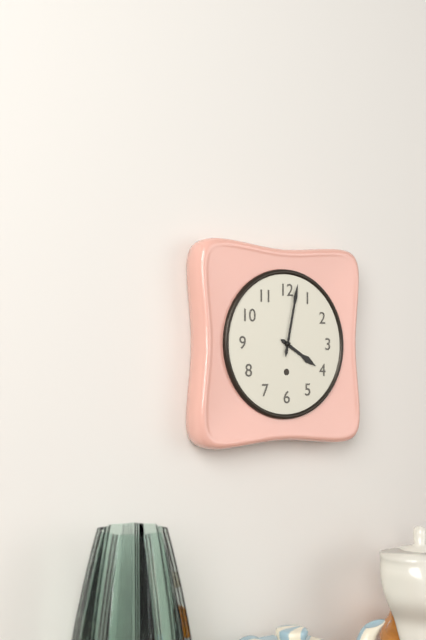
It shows 4:02
